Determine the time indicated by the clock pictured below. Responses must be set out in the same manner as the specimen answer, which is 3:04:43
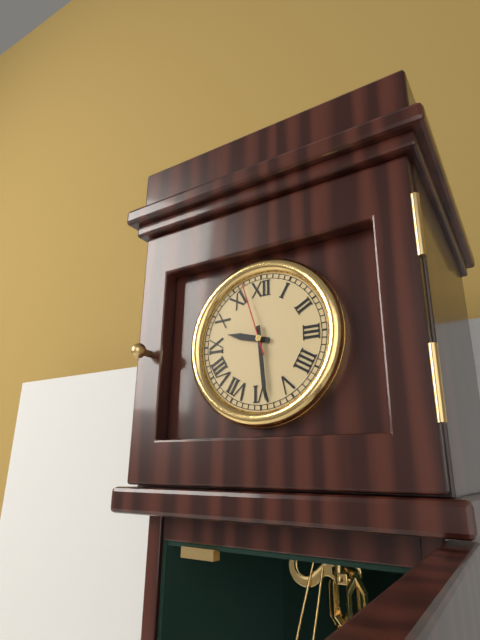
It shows 9:29:57
